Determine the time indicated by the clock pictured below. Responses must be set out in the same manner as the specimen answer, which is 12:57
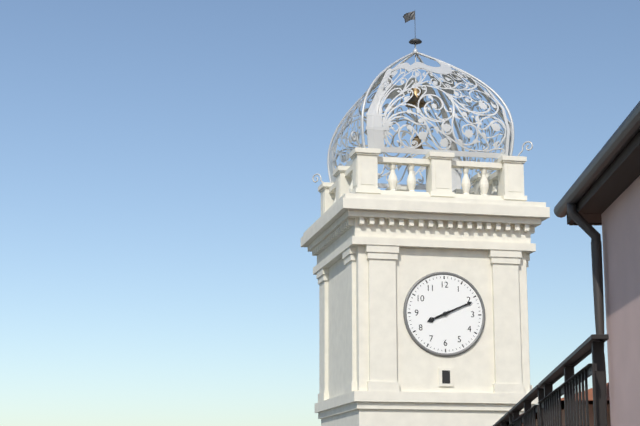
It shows 8:11
